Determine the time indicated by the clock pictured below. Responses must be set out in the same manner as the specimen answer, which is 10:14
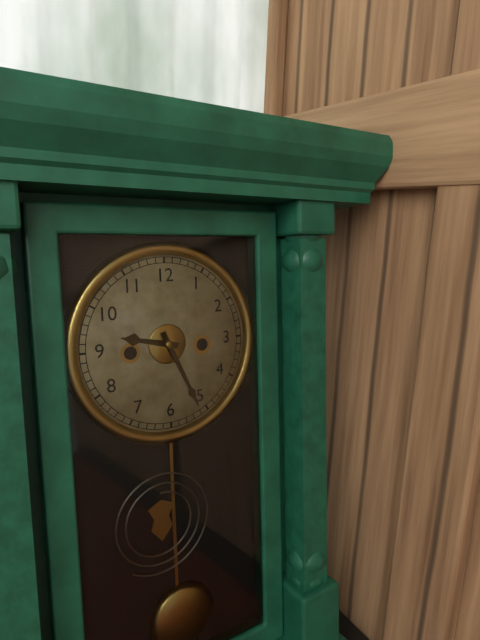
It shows 9:26
